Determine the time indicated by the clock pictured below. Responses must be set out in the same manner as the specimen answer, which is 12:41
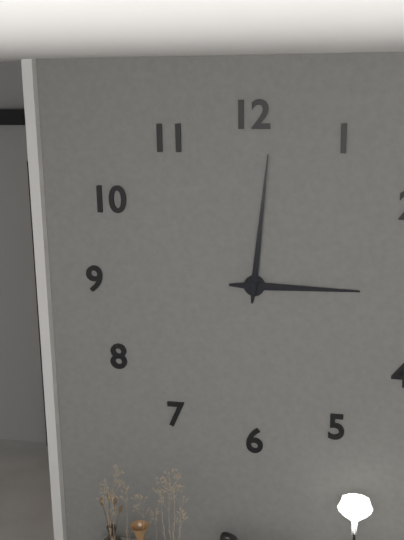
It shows 3:01
